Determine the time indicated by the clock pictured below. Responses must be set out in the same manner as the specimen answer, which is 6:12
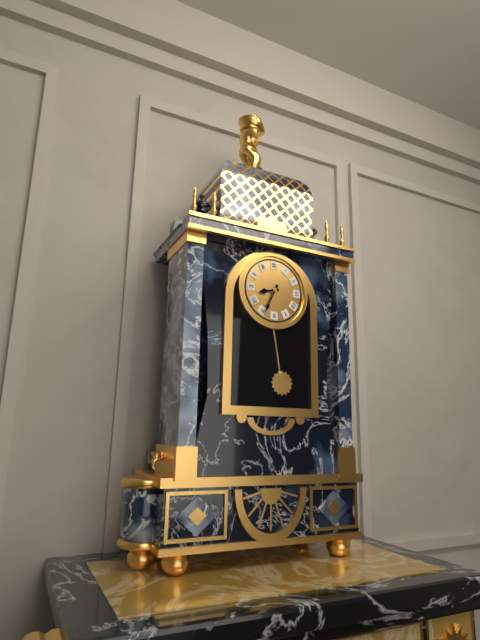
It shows 8:34
